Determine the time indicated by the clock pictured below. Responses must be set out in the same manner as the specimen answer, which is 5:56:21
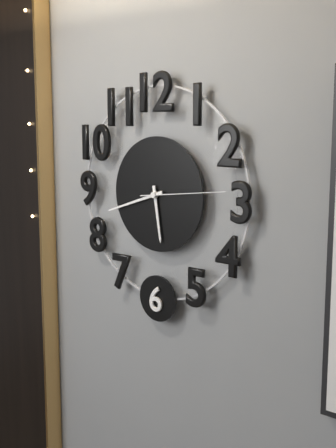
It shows 5:42:14
